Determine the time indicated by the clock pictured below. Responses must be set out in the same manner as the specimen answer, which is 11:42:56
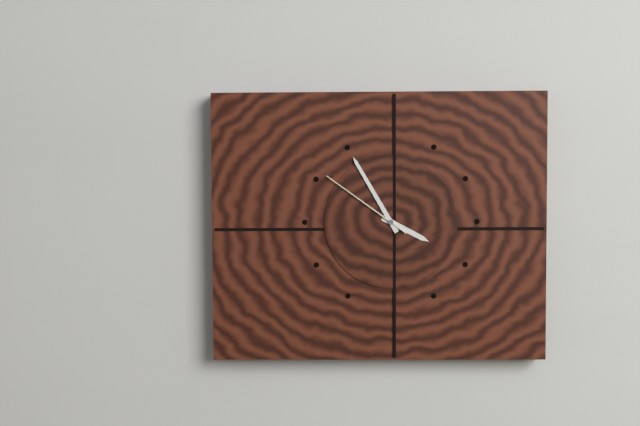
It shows 3:55:51
